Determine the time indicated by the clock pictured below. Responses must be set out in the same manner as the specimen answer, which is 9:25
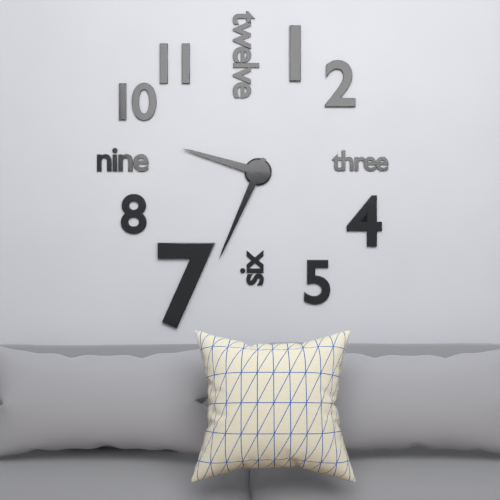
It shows 9:34
